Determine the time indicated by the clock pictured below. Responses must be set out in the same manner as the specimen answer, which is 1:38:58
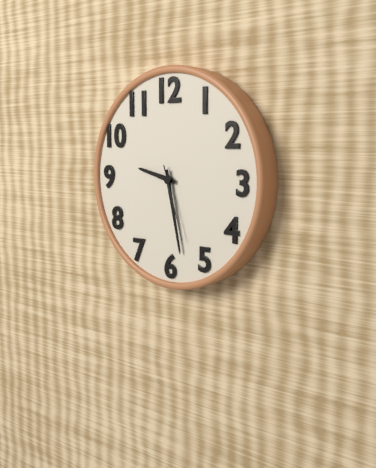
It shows 9:28:27
